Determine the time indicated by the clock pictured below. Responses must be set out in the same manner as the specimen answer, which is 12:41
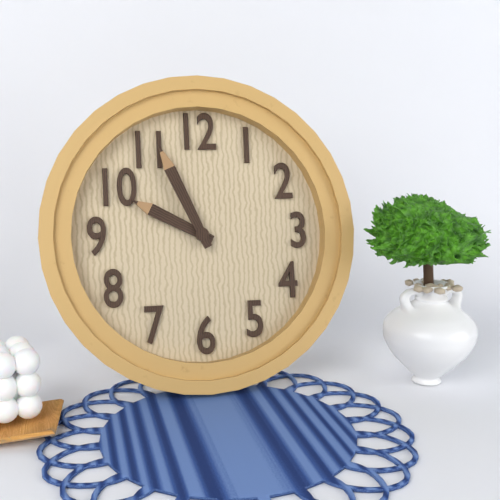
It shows 9:56
